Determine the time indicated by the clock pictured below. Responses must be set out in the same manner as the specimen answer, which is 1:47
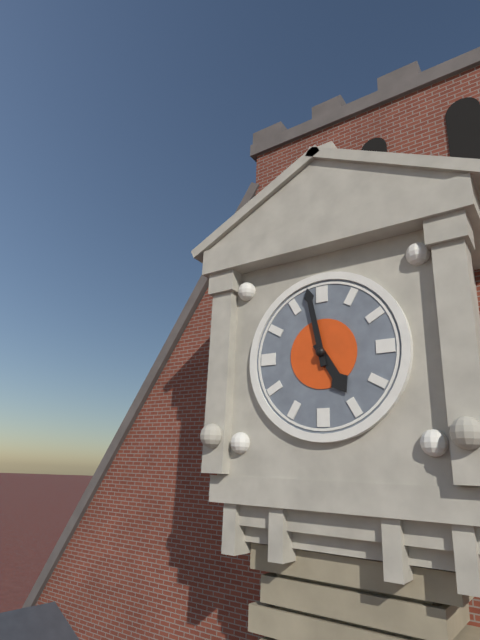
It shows 4:58
